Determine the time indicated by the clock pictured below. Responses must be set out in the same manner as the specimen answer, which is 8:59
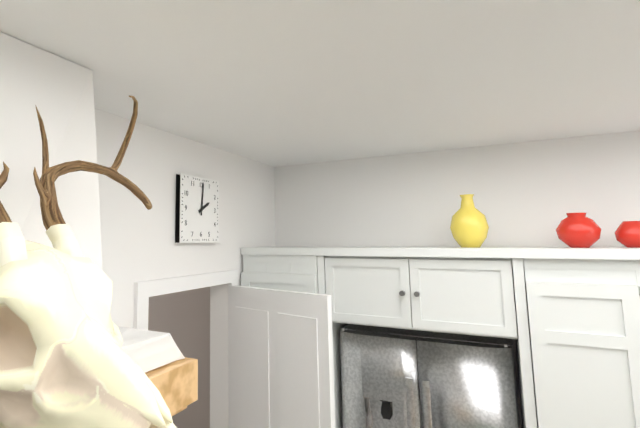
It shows 2:01
